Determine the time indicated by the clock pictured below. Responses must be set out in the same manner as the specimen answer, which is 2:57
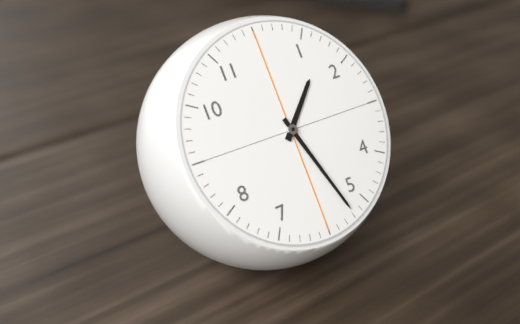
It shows 1:27
